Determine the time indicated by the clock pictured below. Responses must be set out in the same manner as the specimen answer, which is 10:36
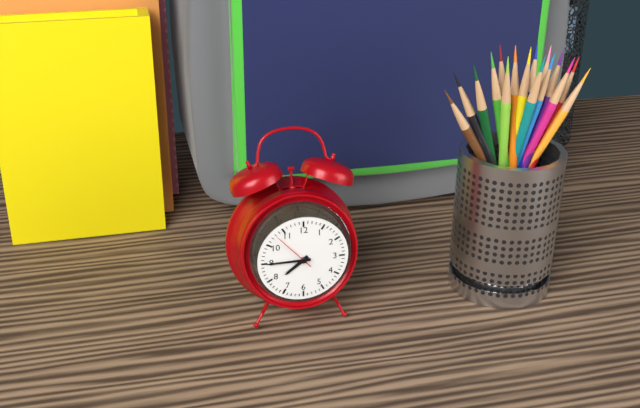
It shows 7:45
